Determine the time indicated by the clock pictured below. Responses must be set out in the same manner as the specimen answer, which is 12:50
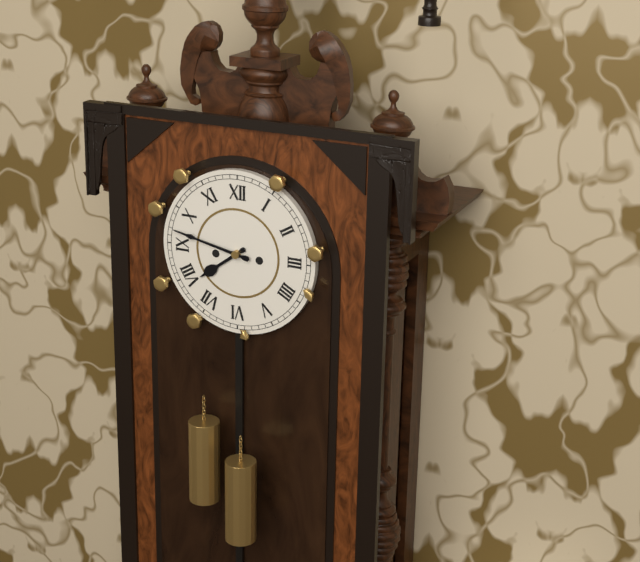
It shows 7:47
